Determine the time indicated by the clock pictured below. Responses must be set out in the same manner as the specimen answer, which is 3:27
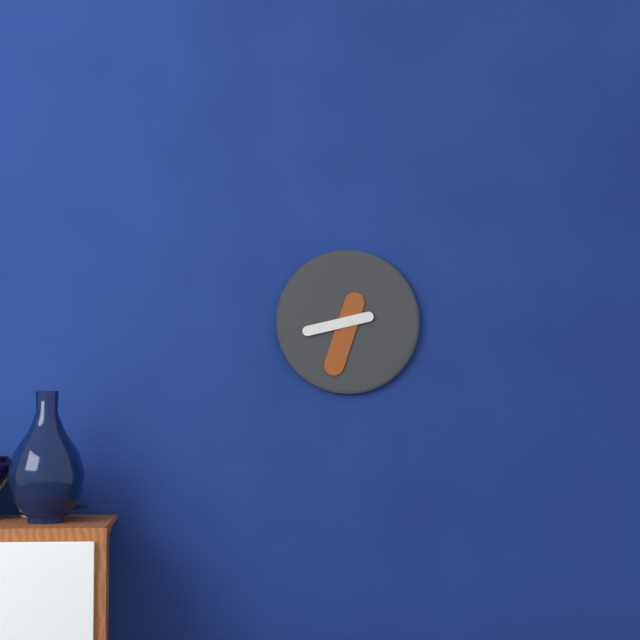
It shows 8:33
